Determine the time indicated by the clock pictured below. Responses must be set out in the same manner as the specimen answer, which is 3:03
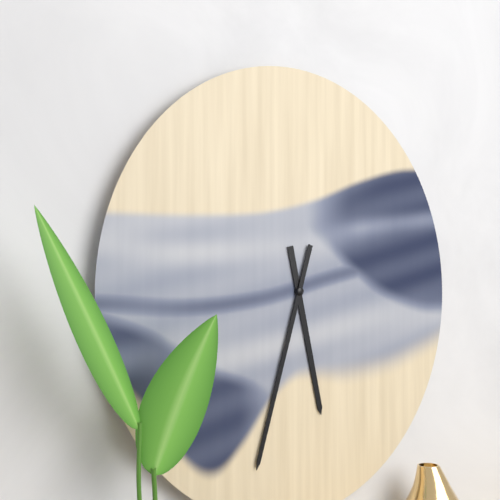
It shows 5:33
